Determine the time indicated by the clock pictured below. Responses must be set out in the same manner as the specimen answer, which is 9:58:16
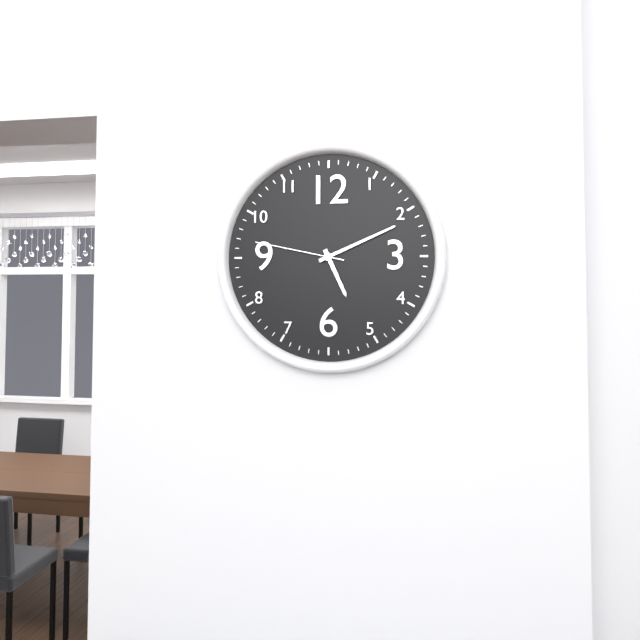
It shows 5:11:47
